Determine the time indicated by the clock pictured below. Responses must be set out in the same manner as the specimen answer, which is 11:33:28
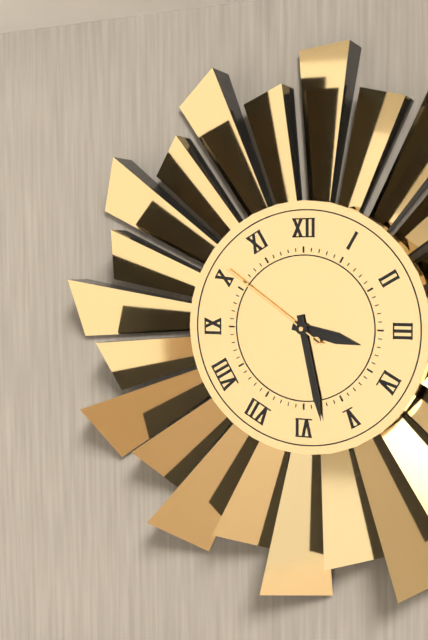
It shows 3:28:51
